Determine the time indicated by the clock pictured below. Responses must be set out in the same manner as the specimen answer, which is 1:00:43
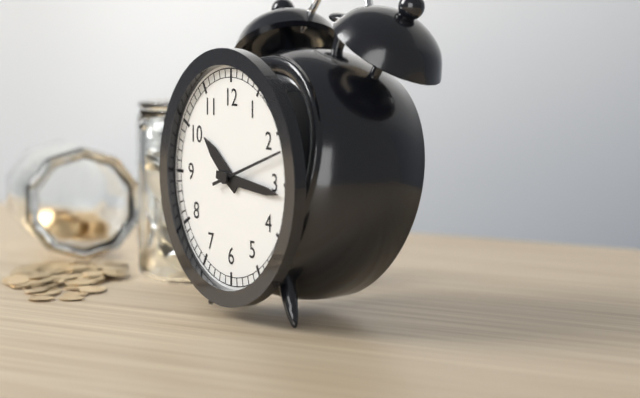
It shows 10:16:12
